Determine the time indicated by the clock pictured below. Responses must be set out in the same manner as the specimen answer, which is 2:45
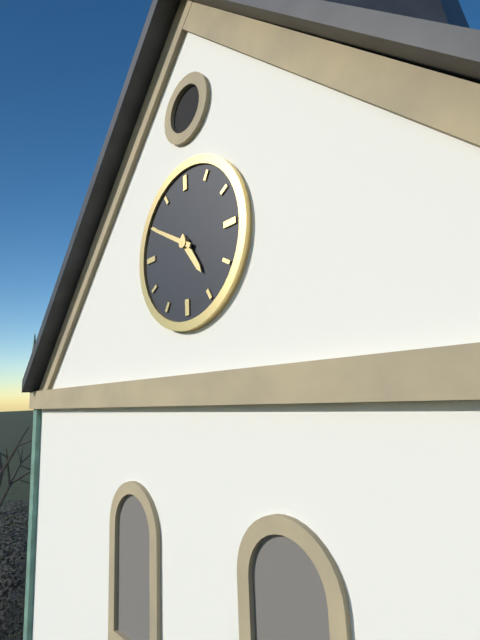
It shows 4:50
